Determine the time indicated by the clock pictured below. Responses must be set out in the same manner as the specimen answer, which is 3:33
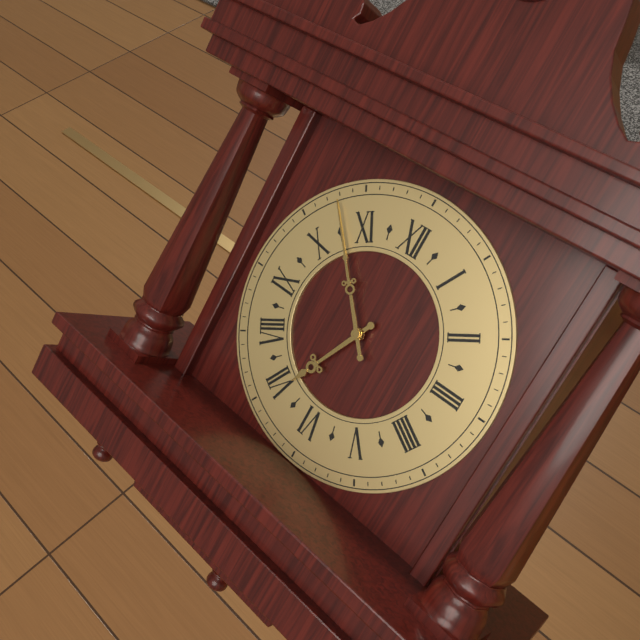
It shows 6:53
